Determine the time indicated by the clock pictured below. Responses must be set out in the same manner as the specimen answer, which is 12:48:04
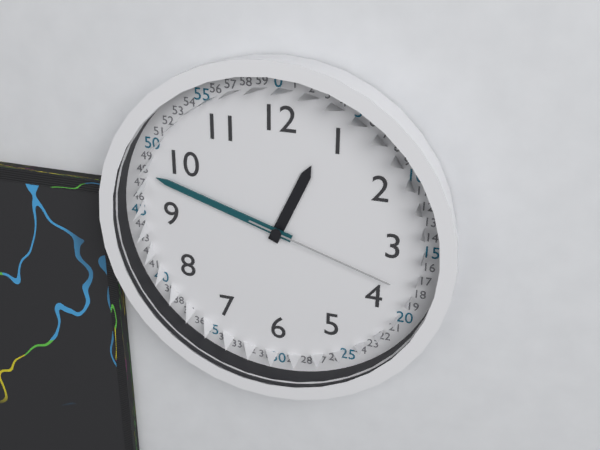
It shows 12:48:18
